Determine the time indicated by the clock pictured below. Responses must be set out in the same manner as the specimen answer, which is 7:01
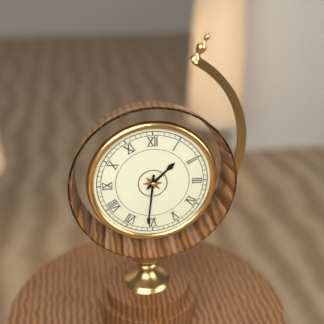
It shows 1:31
